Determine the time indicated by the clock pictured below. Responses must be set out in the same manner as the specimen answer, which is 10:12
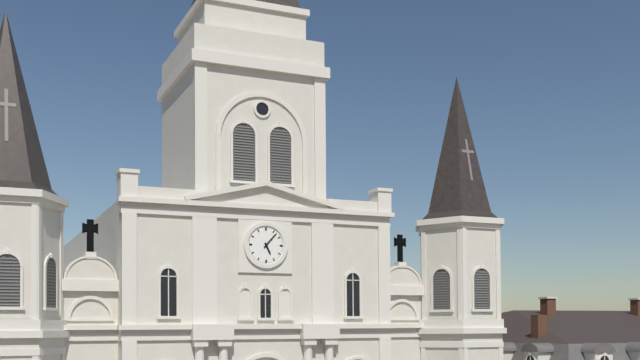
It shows 5:07
